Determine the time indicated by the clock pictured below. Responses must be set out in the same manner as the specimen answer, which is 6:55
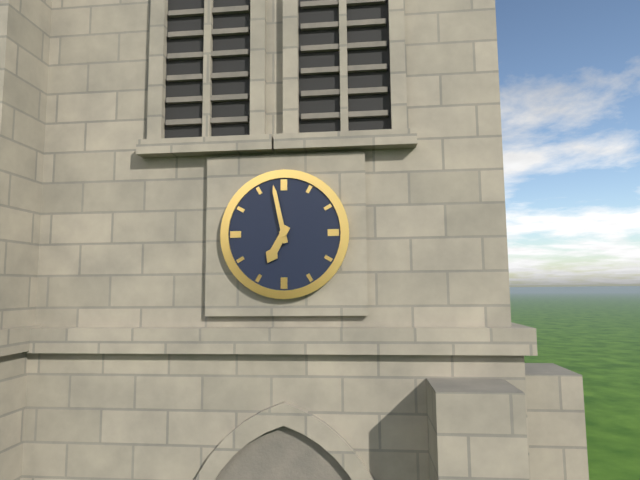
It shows 6:58
